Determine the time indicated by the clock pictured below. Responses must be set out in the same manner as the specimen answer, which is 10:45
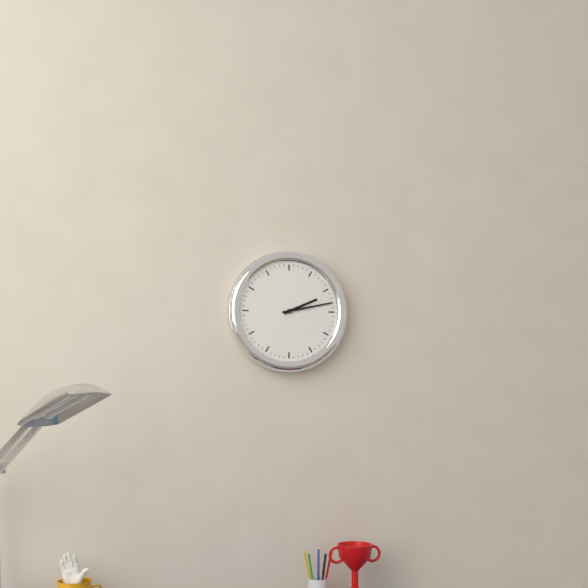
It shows 2:13
